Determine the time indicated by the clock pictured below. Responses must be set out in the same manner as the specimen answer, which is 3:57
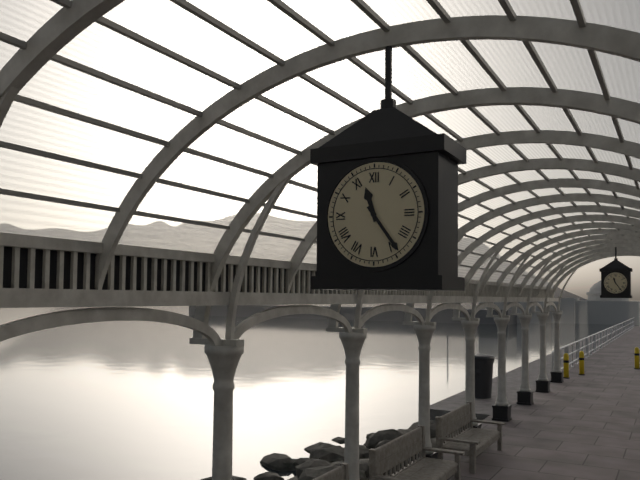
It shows 11:24
